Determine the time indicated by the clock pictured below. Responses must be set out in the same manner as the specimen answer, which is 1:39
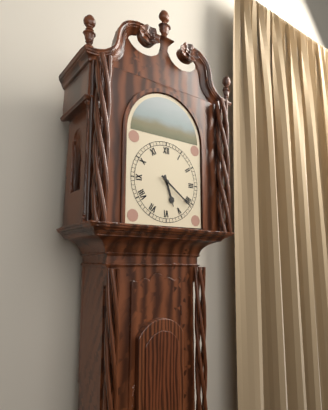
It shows 5:21
